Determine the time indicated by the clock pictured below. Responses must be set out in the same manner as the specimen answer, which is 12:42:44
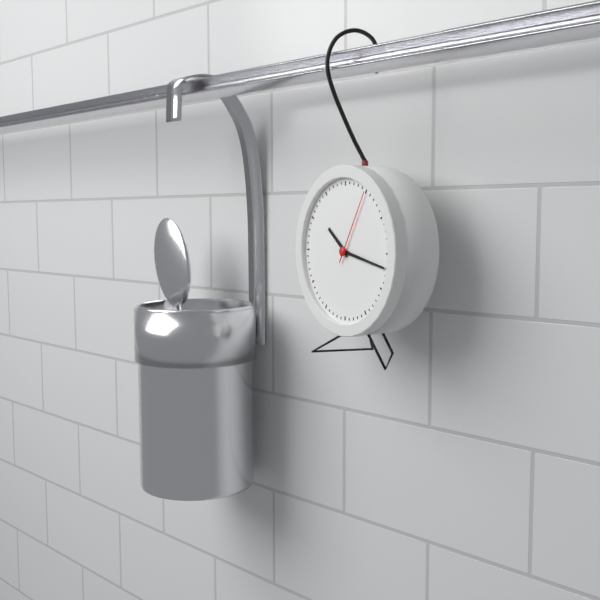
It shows 10:17:05
